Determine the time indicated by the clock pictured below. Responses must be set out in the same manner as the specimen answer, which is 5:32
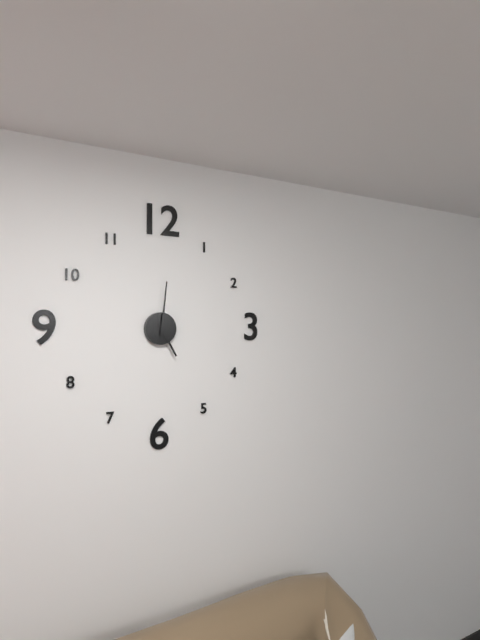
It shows 5:01
